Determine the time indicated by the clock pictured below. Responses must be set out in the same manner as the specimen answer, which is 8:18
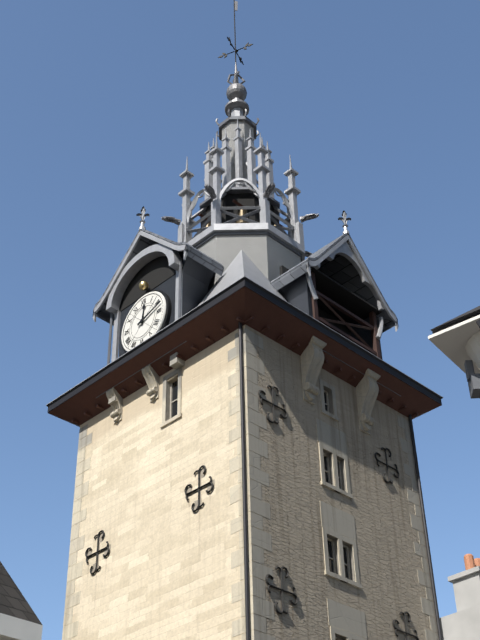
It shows 12:12
